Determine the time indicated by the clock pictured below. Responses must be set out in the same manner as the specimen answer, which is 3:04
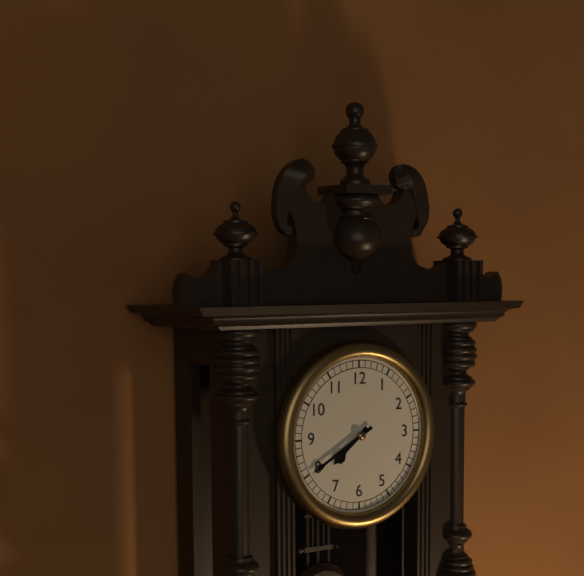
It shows 7:40
